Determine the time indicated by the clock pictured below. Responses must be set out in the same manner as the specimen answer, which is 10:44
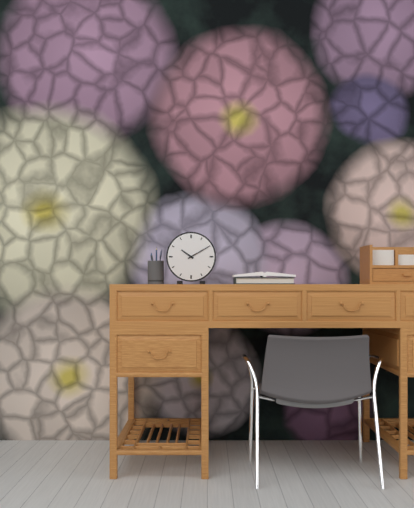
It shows 10:10
